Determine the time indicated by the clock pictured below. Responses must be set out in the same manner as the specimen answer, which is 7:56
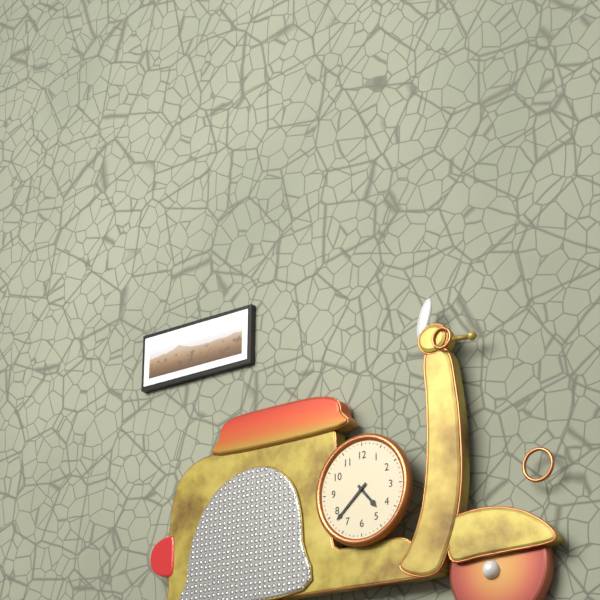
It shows 4:38
